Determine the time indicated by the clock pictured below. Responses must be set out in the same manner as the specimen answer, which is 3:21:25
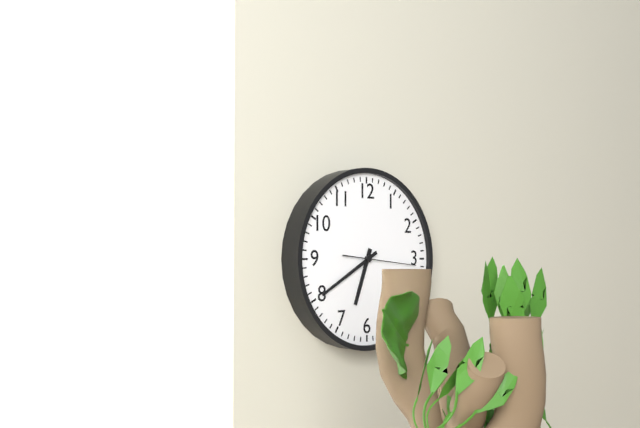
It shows 6:40:16
